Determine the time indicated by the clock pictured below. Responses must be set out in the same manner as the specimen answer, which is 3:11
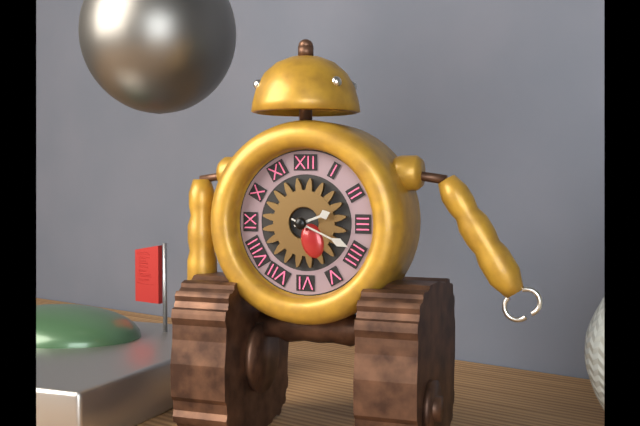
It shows 2:19
